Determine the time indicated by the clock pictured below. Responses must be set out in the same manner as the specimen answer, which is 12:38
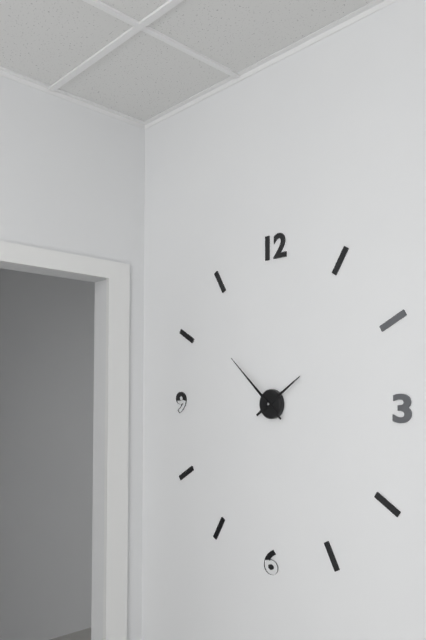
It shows 1:52
